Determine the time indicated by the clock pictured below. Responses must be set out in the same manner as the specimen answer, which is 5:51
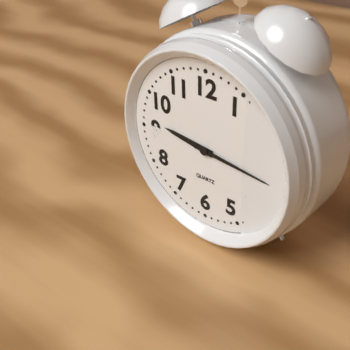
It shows 9:16
